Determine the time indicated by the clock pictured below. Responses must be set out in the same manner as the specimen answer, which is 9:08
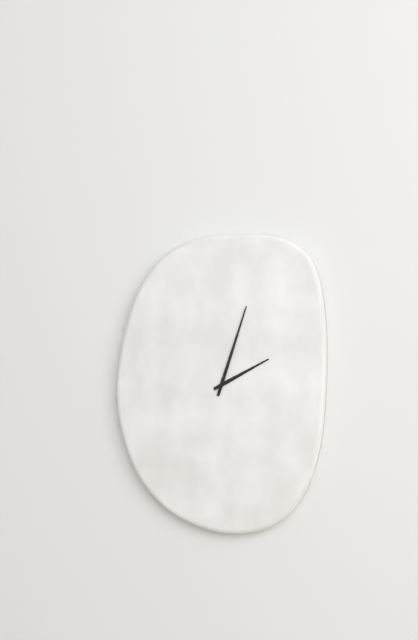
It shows 2:03
